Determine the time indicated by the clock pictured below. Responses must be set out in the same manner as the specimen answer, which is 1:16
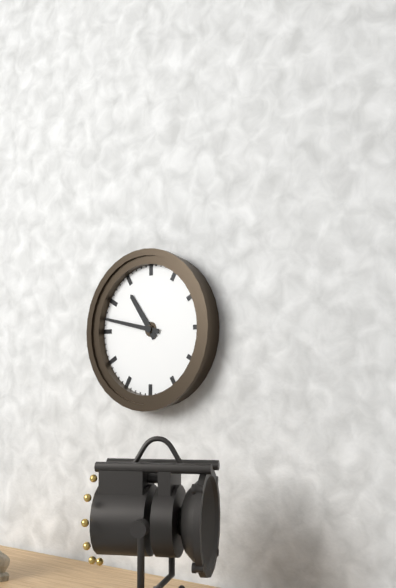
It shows 10:47
